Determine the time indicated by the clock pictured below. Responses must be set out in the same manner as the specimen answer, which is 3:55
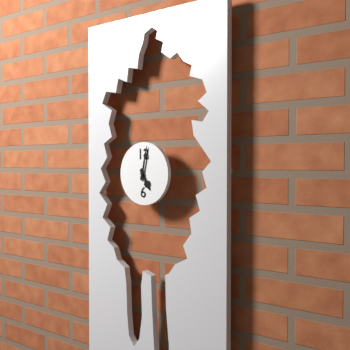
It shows 5:02
